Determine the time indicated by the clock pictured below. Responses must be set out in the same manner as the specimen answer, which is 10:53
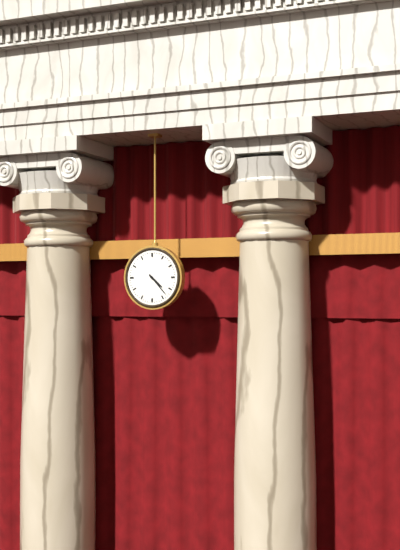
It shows 4:23
